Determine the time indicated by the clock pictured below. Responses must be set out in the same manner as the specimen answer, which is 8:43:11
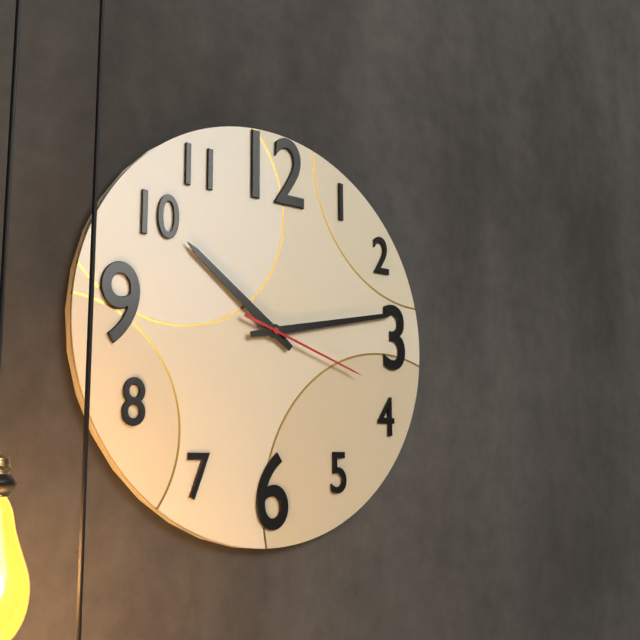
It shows 10:13:18
